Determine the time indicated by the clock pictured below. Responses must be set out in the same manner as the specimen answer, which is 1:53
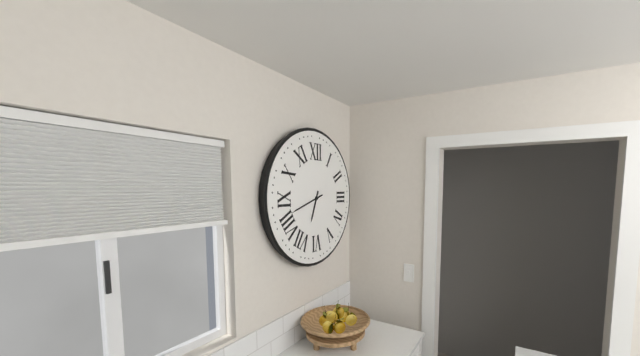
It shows 6:42
